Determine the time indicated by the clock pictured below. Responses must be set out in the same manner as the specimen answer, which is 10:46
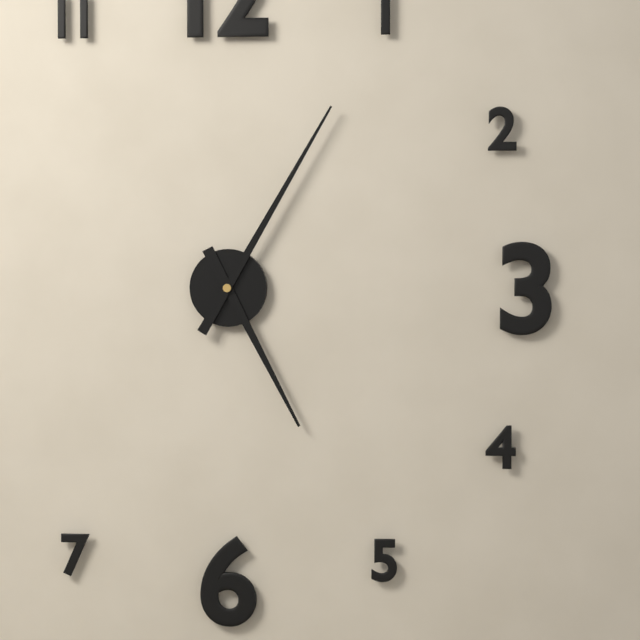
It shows 5:05
